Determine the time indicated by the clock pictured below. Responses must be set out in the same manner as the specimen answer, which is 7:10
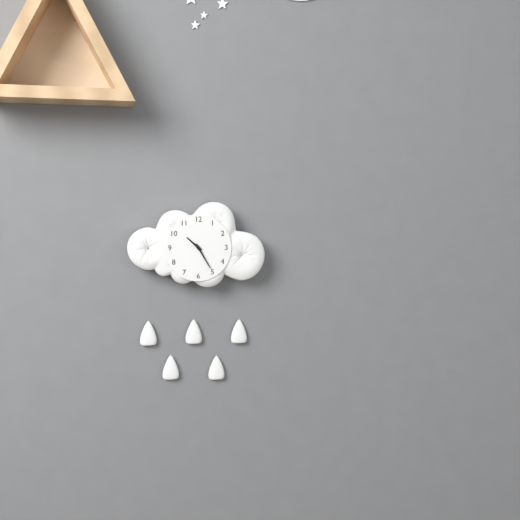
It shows 10:25
